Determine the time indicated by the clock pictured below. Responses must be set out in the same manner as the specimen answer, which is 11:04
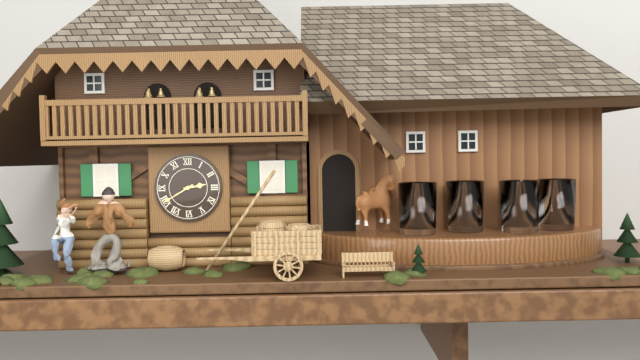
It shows 2:40
